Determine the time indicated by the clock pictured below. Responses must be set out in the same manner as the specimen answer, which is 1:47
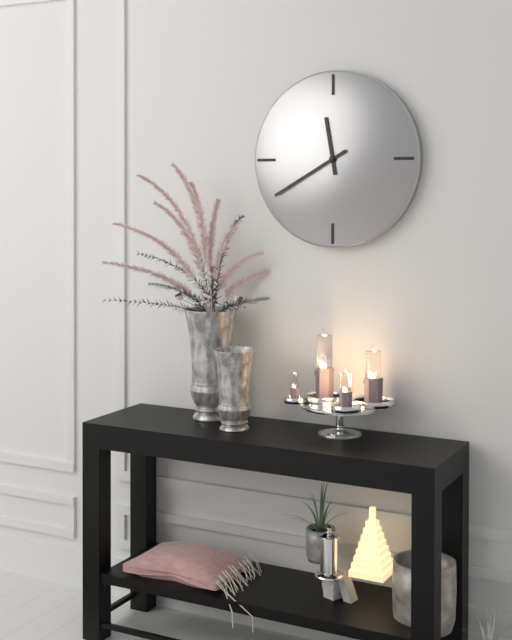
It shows 11:40
